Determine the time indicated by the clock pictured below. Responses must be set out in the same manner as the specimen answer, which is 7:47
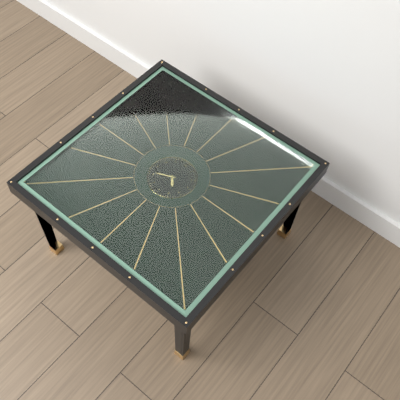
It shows 4:41
